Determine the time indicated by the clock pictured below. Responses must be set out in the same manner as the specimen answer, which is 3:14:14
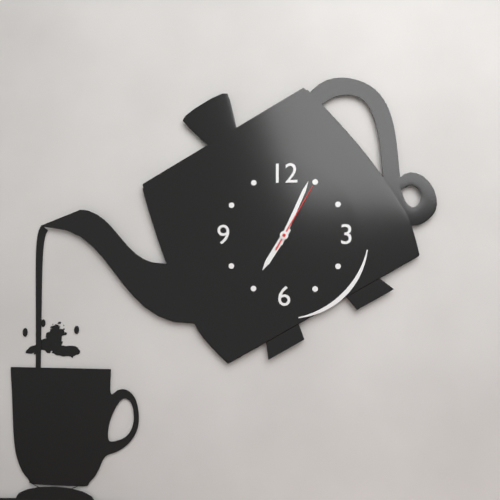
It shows 7:04:05
